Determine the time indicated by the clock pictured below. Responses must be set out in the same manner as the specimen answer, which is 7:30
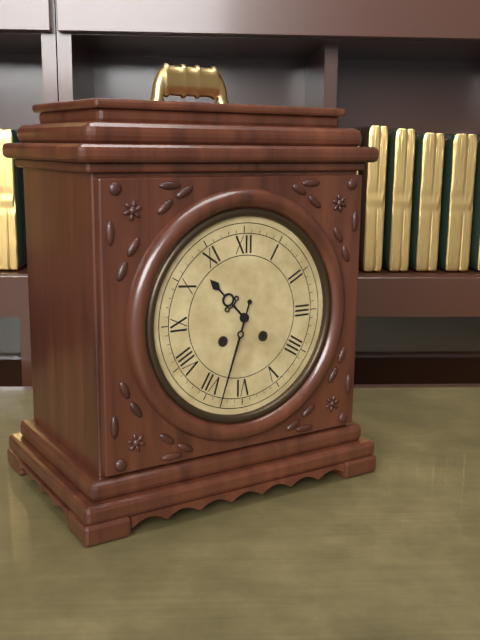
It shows 10:33
